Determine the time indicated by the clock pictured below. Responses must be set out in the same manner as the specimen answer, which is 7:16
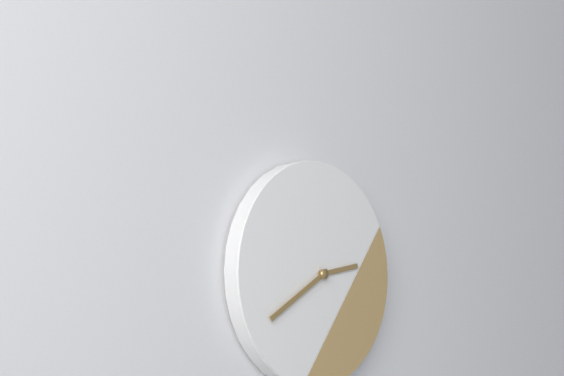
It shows 2:40
